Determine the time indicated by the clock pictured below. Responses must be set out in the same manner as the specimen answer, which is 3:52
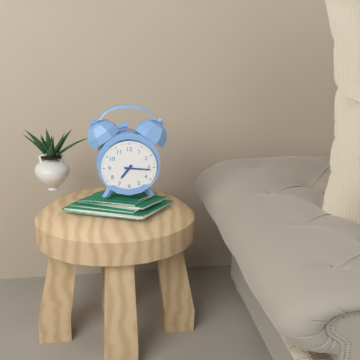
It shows 7:16
